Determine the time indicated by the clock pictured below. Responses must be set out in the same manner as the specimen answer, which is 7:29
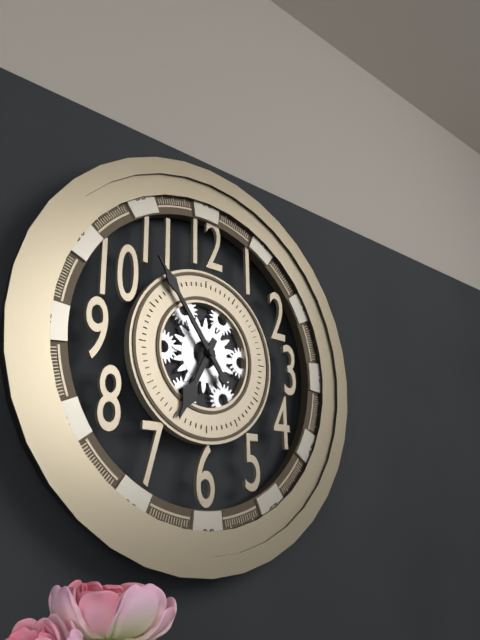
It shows 6:54
